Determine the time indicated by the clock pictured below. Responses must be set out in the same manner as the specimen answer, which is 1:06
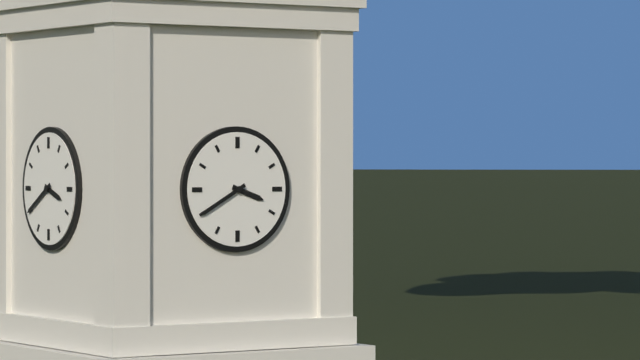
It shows 3:40
